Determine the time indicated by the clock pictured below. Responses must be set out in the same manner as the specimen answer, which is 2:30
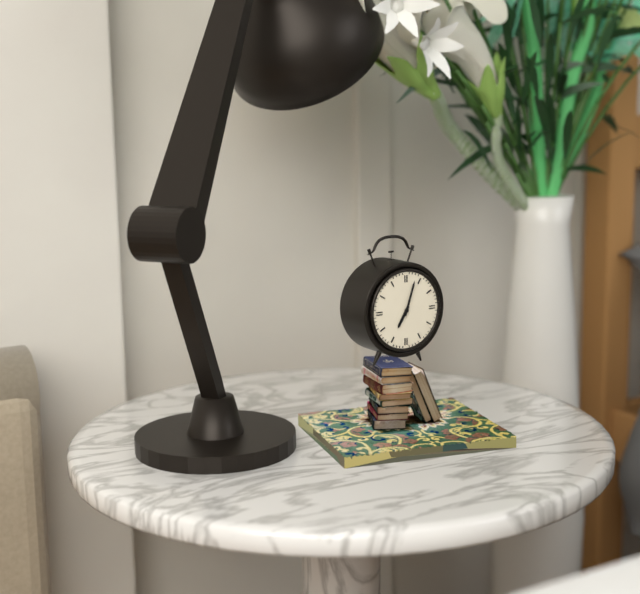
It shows 7:03
